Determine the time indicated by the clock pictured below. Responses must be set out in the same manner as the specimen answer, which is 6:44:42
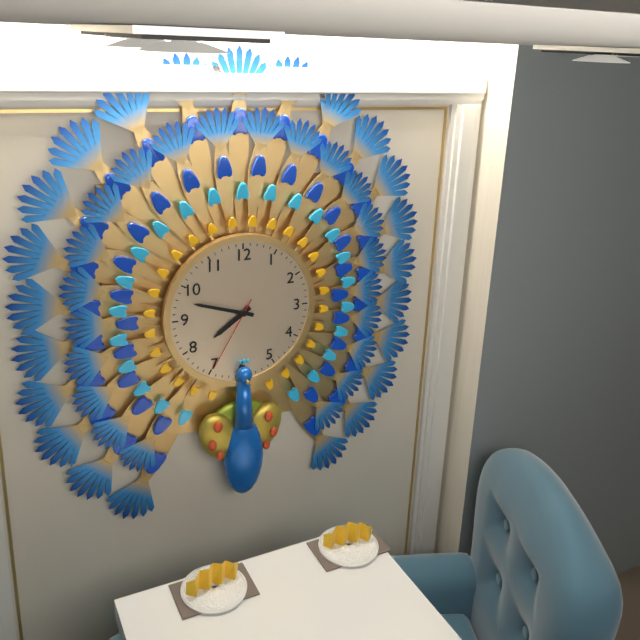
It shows 7:48:35
